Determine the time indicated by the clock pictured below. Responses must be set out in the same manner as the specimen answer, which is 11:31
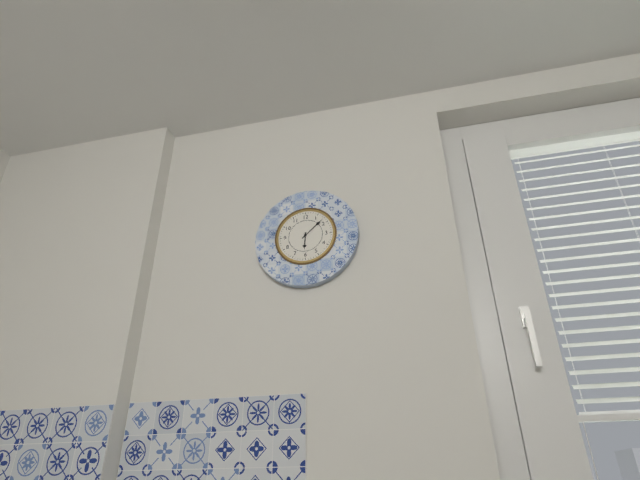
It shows 6:08
